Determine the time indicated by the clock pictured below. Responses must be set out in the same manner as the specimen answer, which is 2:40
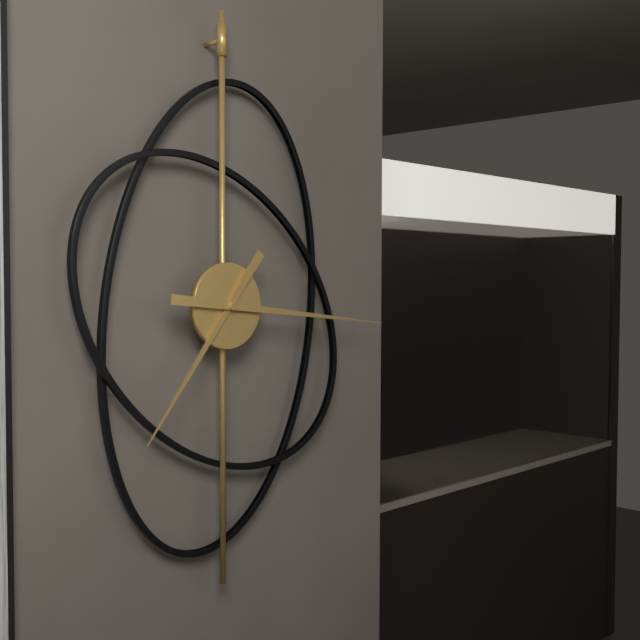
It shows 7:16
